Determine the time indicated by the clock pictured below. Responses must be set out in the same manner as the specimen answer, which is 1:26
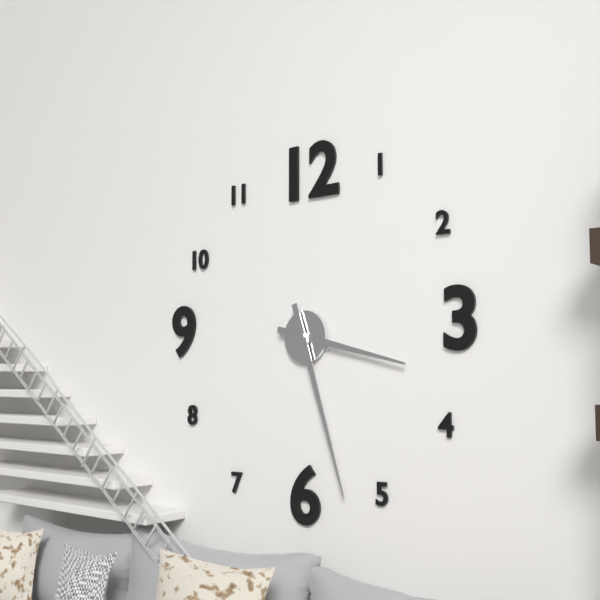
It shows 3:27
